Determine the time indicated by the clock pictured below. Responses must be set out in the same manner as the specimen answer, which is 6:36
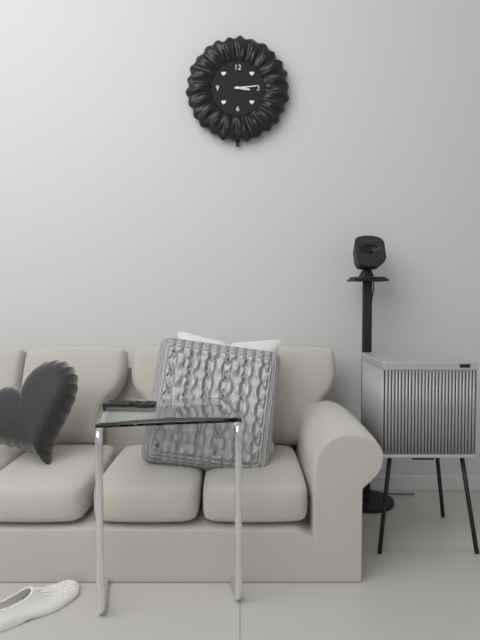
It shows 3:14
